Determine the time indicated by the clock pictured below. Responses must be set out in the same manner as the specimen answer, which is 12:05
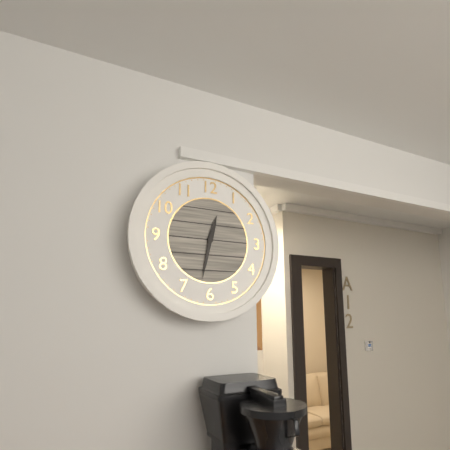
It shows 12:32
